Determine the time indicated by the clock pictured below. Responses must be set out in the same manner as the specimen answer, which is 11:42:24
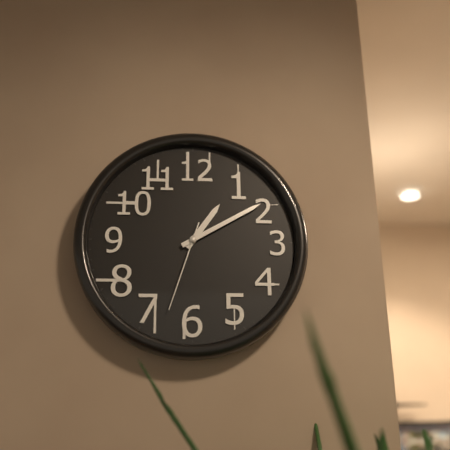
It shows 1:10:33
